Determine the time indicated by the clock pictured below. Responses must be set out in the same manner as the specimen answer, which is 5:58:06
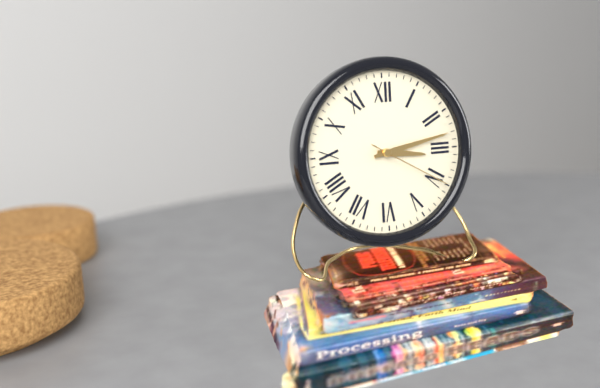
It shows 3:13:20
